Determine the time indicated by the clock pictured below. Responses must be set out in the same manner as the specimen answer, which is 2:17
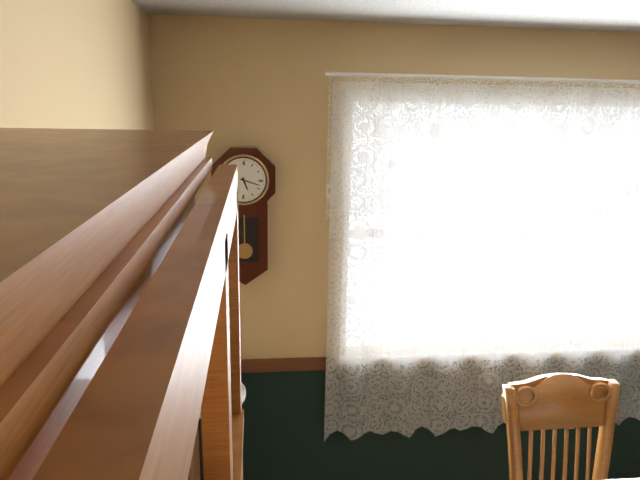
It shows 5:18
